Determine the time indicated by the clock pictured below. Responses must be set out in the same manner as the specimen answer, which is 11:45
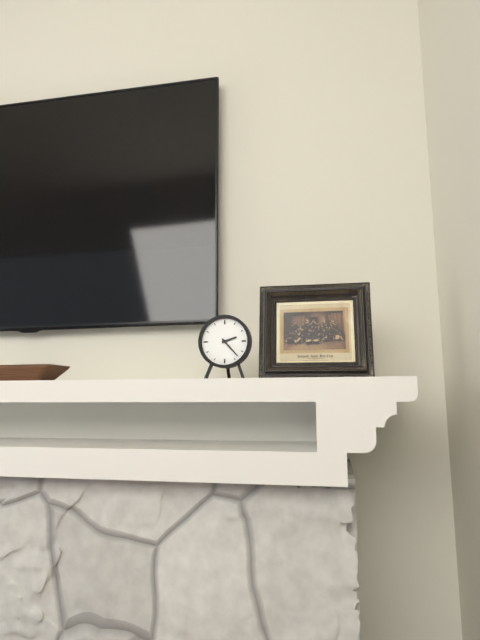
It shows 2:23
